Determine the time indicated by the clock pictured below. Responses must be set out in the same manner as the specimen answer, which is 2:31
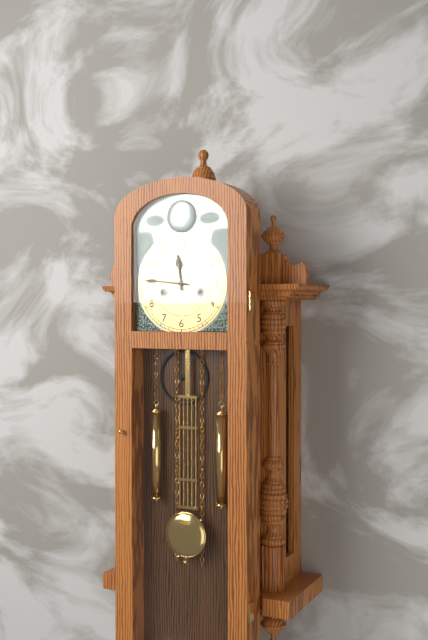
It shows 11:46
